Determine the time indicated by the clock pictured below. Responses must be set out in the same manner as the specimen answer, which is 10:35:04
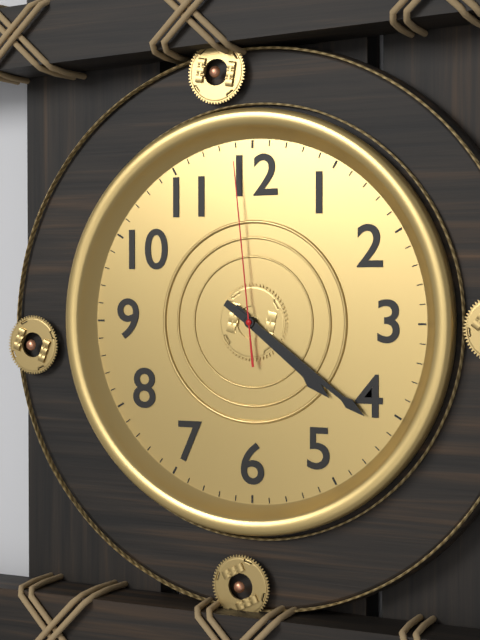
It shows 4:21:59
